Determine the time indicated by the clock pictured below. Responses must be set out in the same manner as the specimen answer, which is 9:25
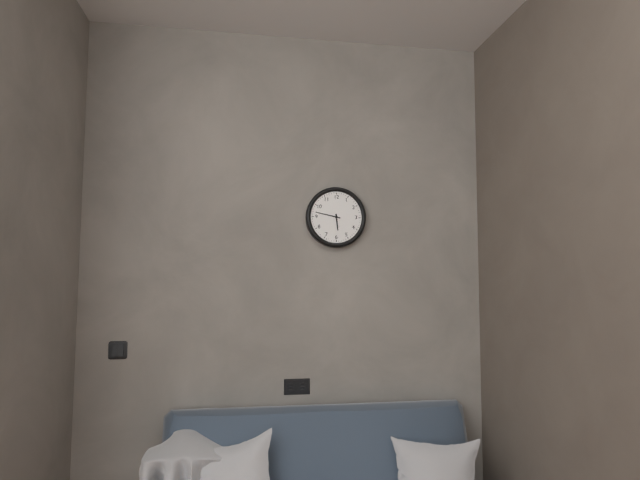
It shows 5:47
